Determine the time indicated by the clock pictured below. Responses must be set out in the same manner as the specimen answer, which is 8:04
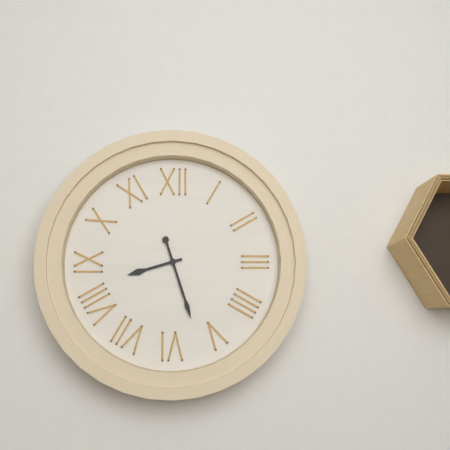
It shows 8:27
